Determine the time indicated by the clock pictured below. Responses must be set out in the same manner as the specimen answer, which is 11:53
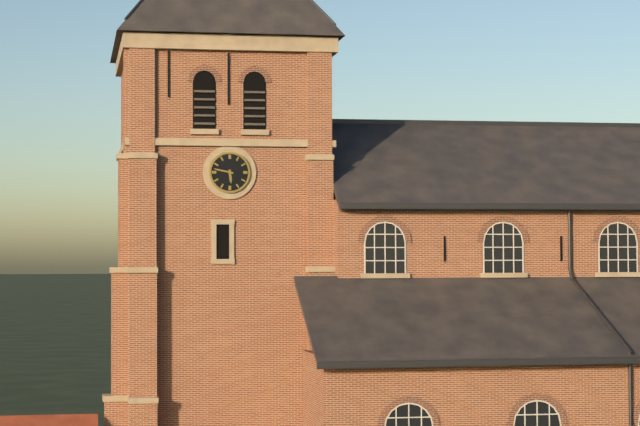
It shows 5:47
